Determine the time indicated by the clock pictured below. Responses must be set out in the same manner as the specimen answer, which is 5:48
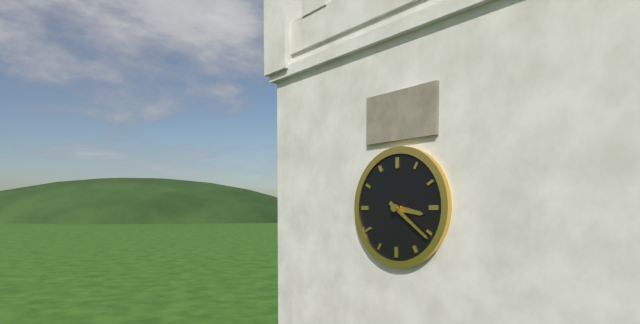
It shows 3:21
